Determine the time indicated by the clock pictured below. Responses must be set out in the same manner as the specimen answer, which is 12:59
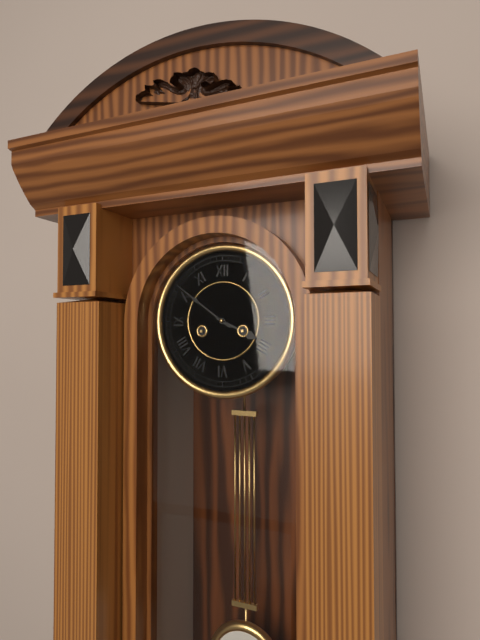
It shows 3:51
